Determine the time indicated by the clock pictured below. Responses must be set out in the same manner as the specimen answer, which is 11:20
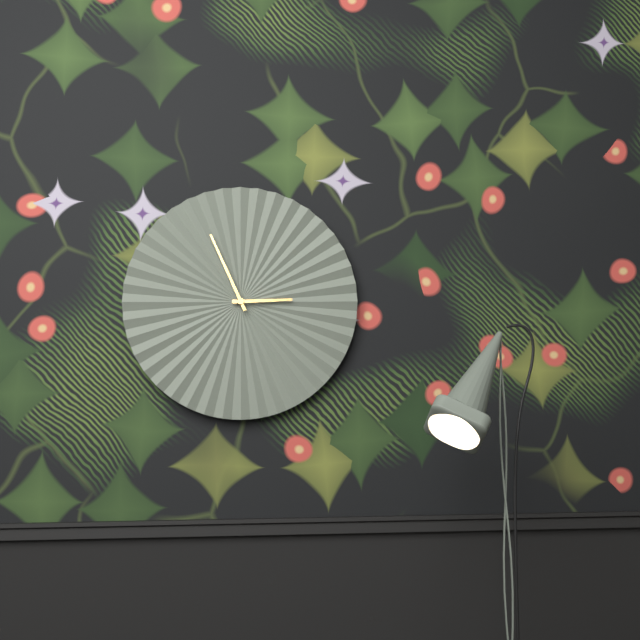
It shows 2:56
